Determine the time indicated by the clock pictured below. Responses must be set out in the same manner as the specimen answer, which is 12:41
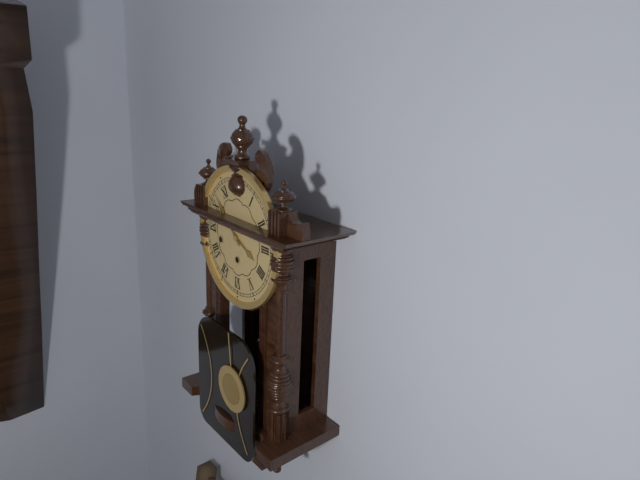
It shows 3:52
